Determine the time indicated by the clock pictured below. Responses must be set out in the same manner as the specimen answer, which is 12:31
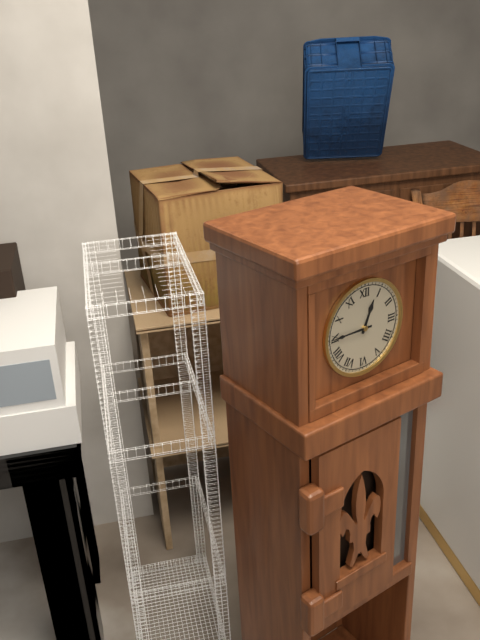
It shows 12:45
